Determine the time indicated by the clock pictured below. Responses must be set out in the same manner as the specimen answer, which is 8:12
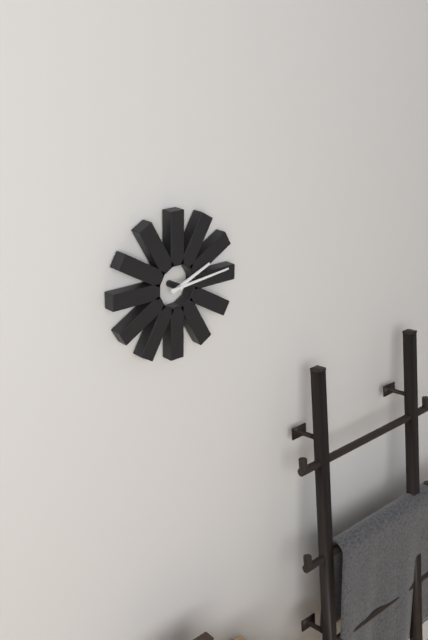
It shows 2:14
